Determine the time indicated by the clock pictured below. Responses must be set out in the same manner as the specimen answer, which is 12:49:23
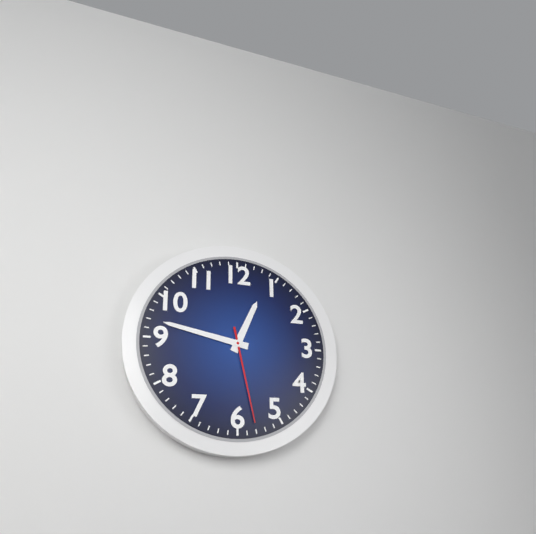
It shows 12:47:28
